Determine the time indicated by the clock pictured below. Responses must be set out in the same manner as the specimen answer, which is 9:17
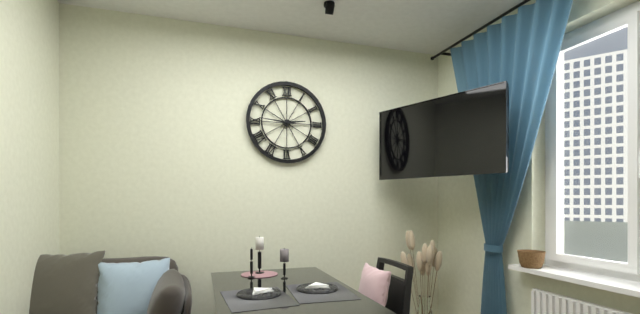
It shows 2:46
